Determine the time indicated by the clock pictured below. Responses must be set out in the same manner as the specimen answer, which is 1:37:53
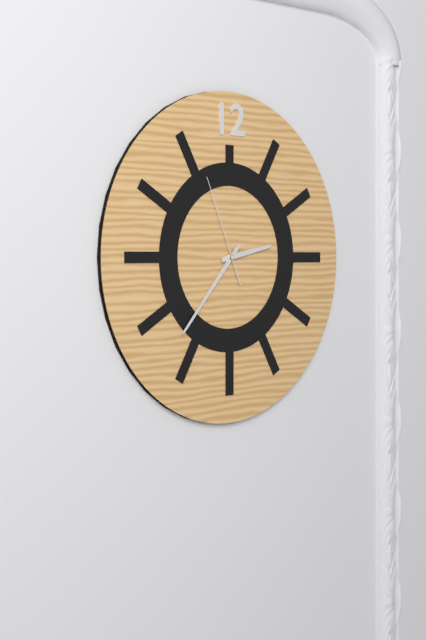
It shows 2:37:56
